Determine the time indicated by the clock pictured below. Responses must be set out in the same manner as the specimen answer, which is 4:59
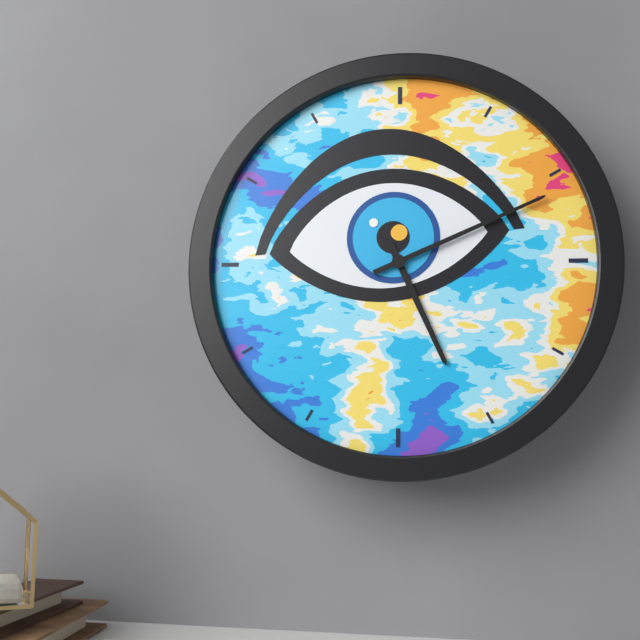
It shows 5:11
